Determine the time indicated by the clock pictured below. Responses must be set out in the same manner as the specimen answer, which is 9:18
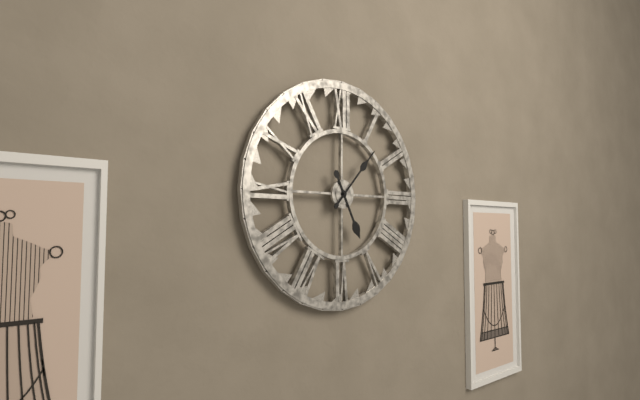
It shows 5:07
